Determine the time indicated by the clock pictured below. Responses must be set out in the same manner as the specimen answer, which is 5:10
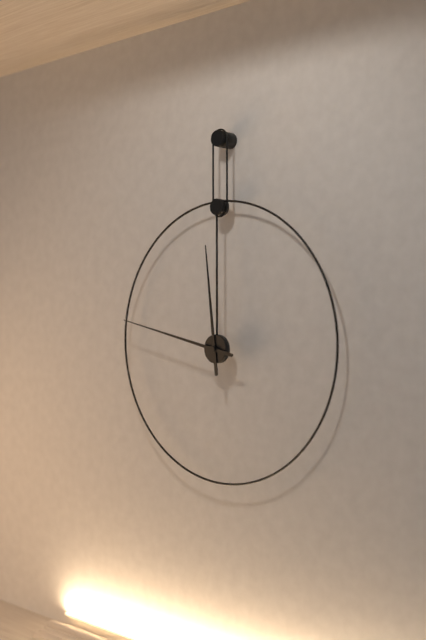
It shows 11:47
